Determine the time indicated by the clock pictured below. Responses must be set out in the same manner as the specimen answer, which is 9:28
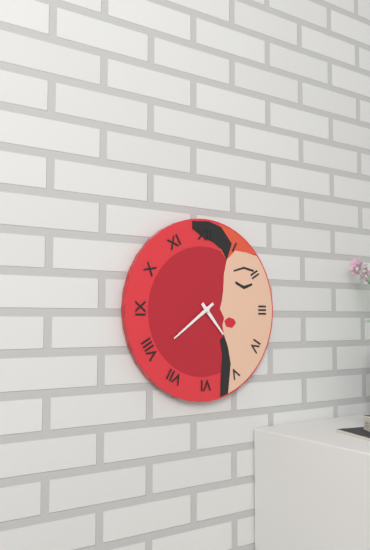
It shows 4:39
